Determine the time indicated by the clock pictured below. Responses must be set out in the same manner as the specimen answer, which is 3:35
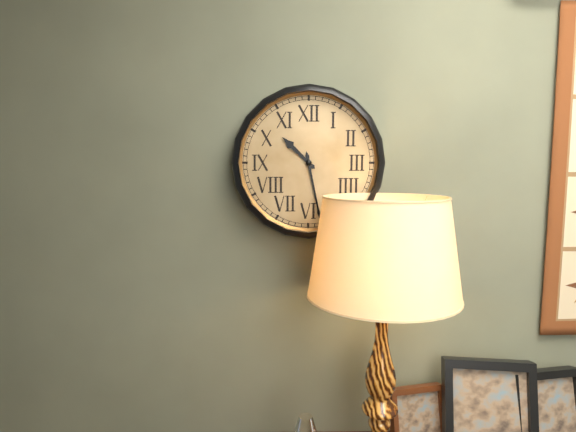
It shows 10:28
